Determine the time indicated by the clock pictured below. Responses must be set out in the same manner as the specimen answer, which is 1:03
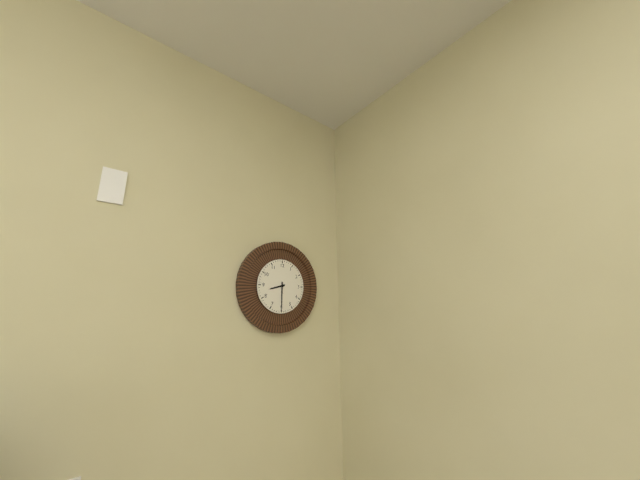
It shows 8:30
